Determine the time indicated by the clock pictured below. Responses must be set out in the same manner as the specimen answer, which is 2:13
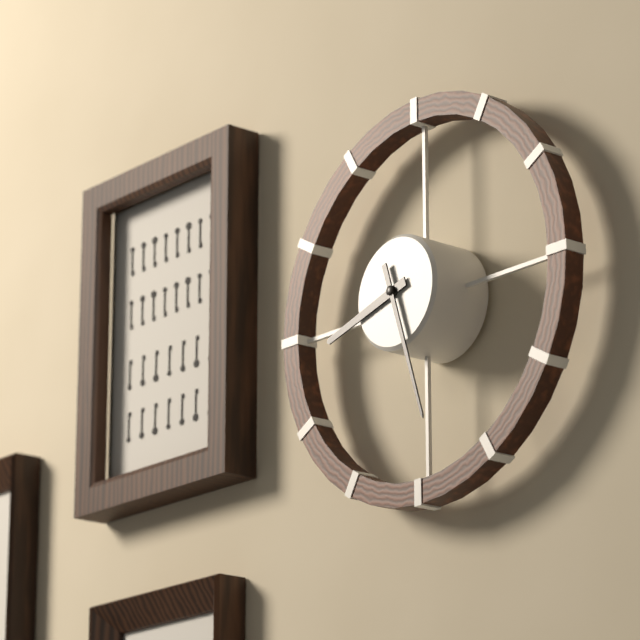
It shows 8:27
